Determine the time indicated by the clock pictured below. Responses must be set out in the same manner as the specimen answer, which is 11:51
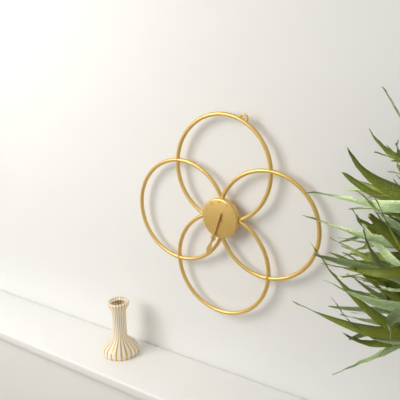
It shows 6:33
